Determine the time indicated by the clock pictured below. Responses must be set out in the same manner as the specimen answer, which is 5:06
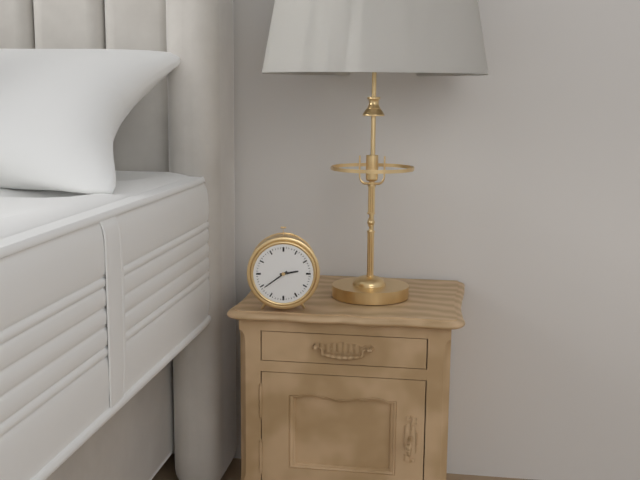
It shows 2:39
